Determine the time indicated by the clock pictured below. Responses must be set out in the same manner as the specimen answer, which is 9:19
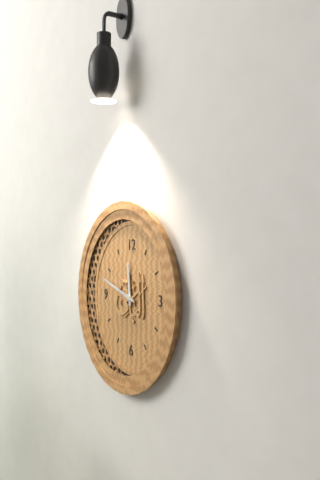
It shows 11:48
